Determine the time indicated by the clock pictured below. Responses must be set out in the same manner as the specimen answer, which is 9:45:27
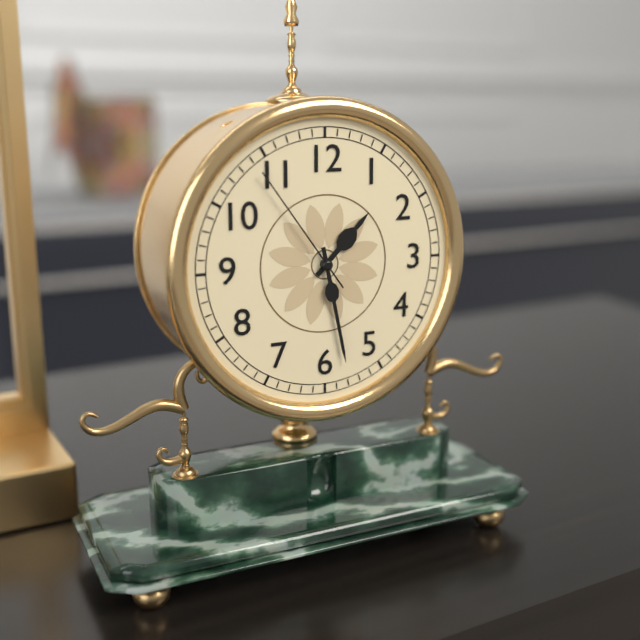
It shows 1:28:54
